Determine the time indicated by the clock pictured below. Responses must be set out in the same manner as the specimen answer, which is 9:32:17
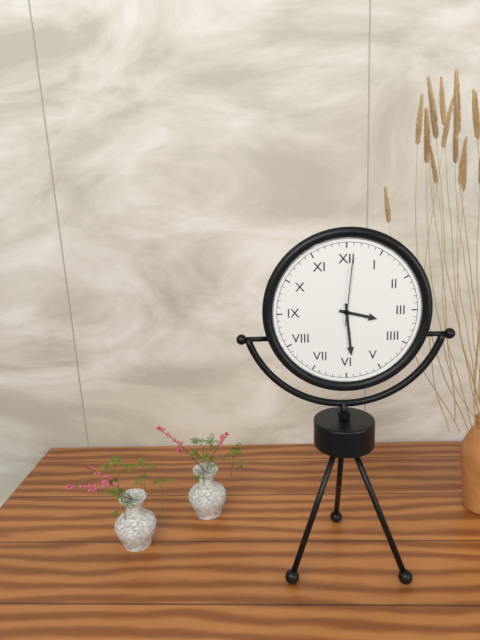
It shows 3:29:01
